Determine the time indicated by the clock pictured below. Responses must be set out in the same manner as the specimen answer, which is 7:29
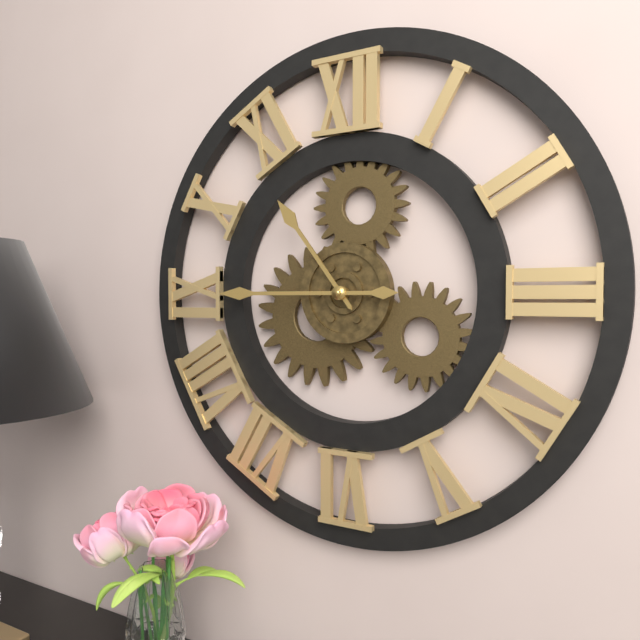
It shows 10:45
